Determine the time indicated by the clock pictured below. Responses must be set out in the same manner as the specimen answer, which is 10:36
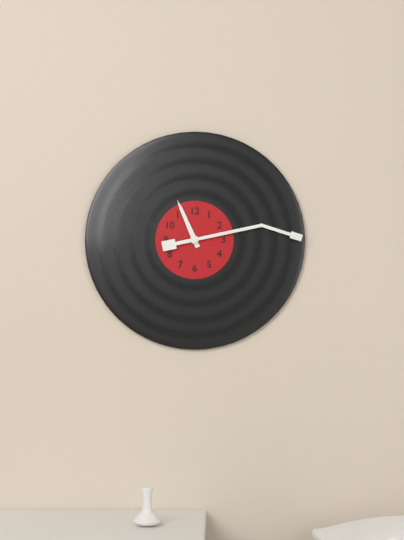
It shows 11:13
